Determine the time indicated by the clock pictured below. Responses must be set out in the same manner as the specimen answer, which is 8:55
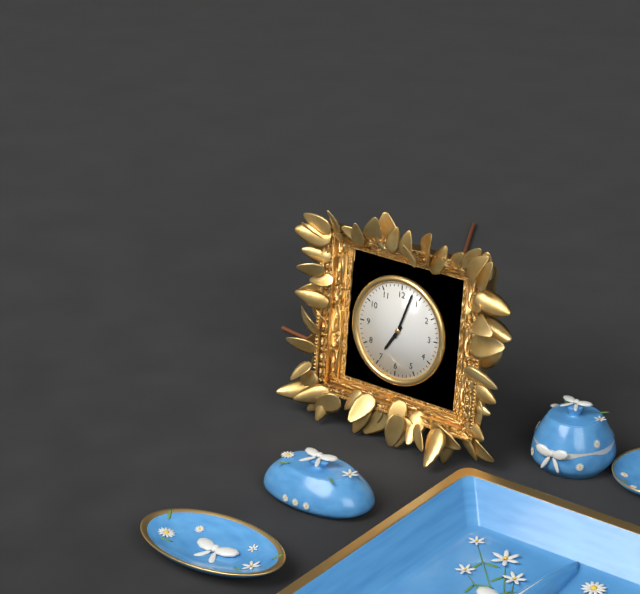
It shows 7:03
